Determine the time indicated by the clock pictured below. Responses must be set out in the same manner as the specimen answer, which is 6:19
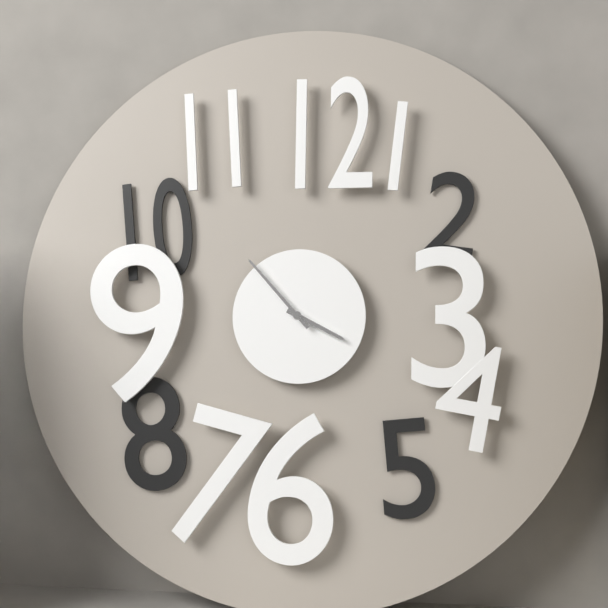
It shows 3:53
